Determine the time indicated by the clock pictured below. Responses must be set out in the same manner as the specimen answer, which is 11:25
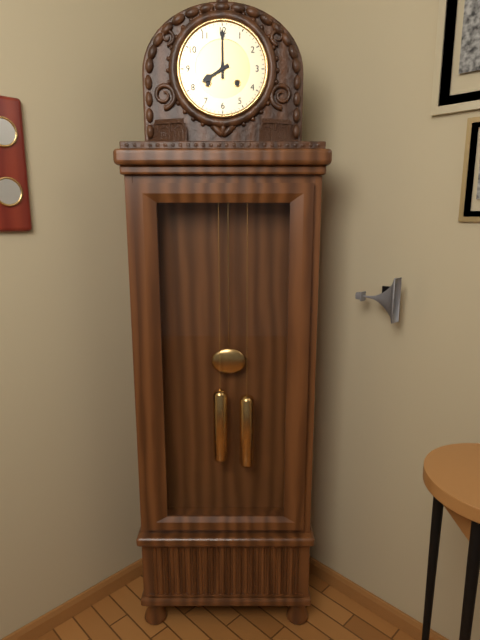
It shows 8:00
